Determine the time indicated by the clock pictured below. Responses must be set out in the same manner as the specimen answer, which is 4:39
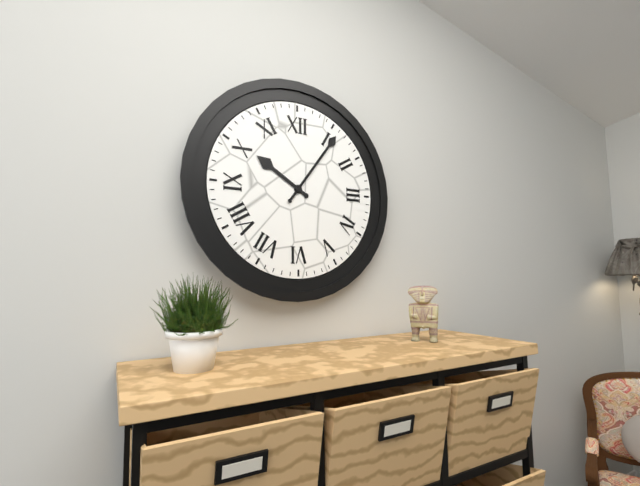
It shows 10:06
